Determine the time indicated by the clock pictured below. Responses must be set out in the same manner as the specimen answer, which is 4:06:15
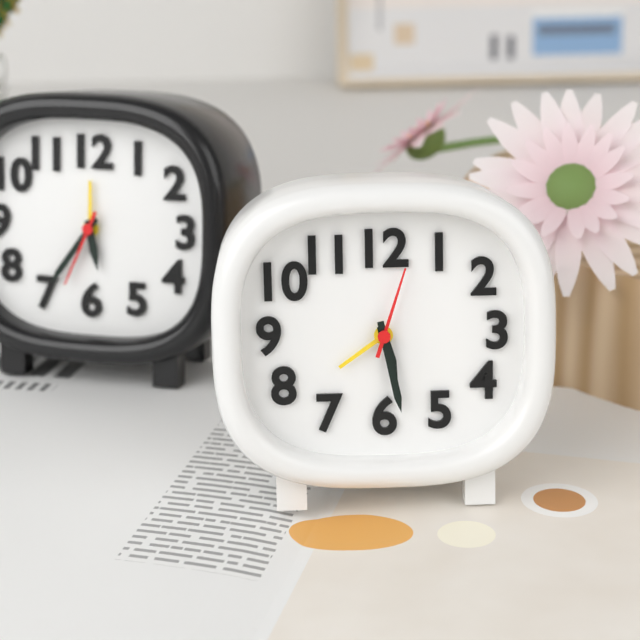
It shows 5:28:03
